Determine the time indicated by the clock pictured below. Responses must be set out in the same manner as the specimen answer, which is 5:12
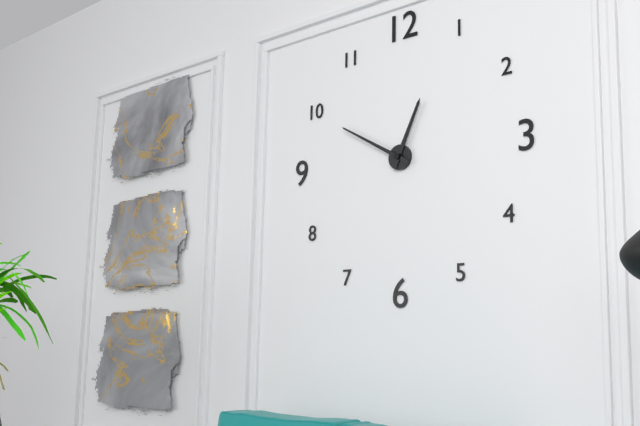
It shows 12:50
